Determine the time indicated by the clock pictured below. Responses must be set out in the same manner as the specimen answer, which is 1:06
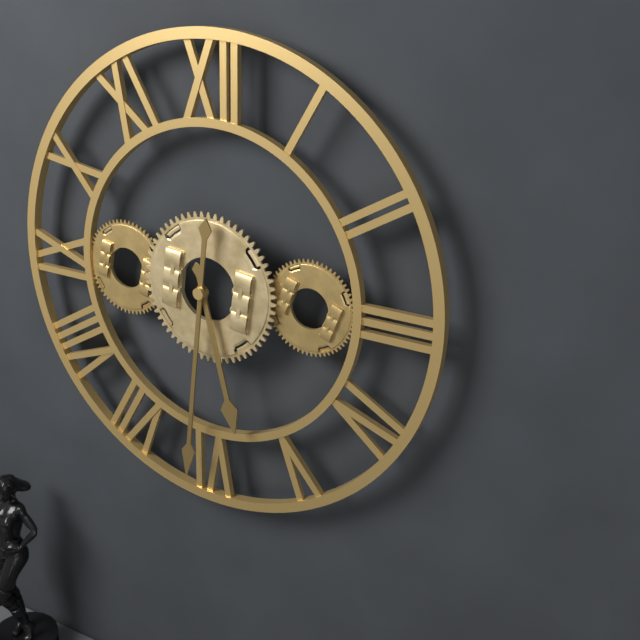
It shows 5:31
